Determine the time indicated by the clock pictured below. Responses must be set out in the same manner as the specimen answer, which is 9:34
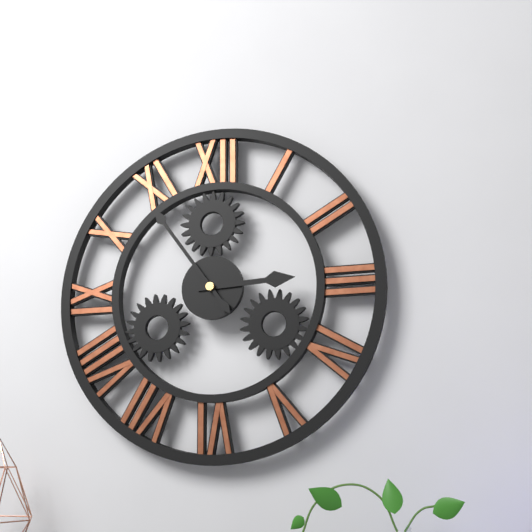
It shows 2:54
